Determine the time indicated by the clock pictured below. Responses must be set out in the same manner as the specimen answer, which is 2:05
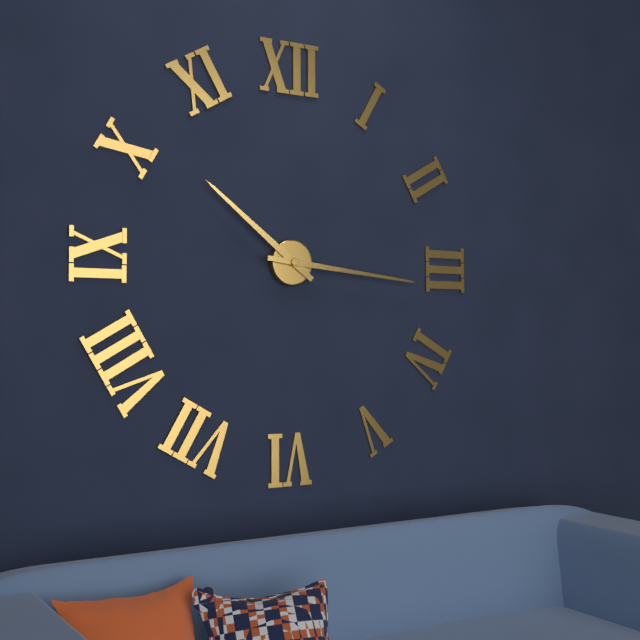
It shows 10:16
